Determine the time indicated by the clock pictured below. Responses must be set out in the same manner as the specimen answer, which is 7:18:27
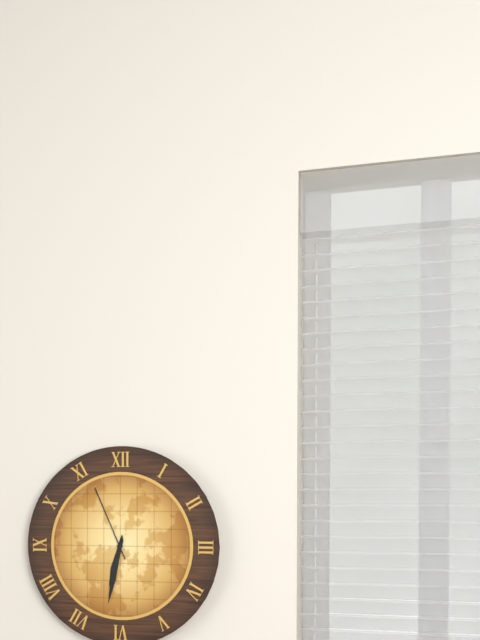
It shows 6:32:56
